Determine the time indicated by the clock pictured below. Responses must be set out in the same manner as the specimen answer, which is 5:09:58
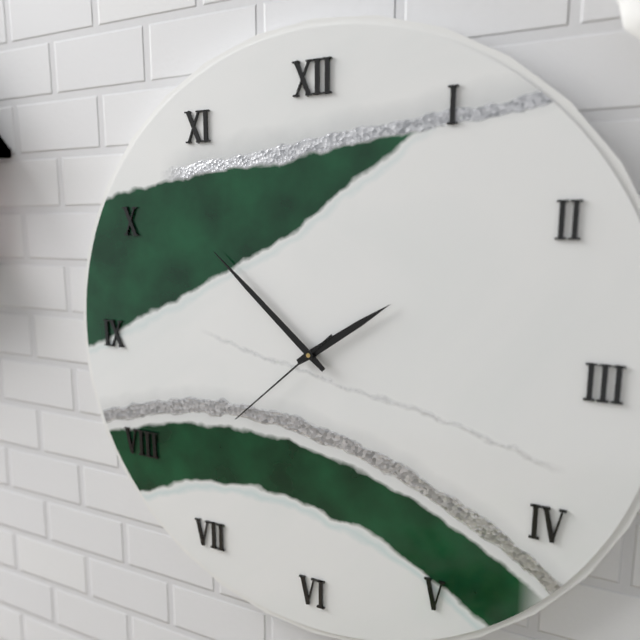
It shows 1:52:38
